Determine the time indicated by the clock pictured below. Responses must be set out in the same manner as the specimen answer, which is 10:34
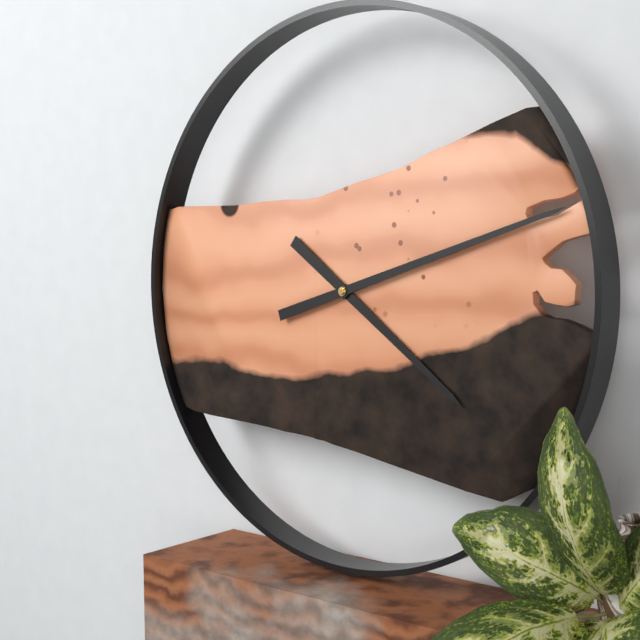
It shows 4:12
